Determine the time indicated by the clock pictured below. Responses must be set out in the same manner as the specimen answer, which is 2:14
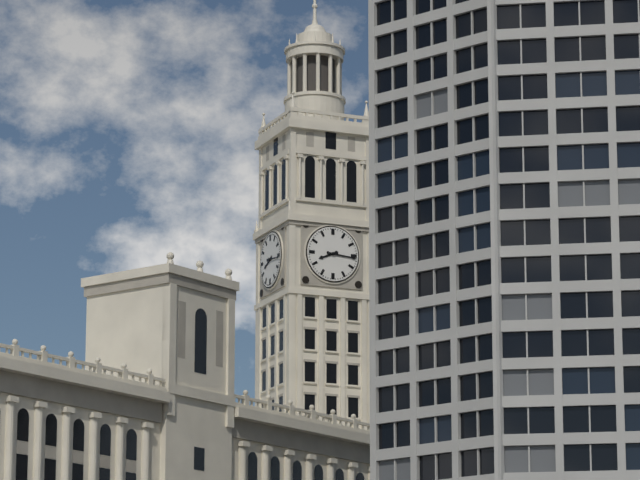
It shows 8:16
